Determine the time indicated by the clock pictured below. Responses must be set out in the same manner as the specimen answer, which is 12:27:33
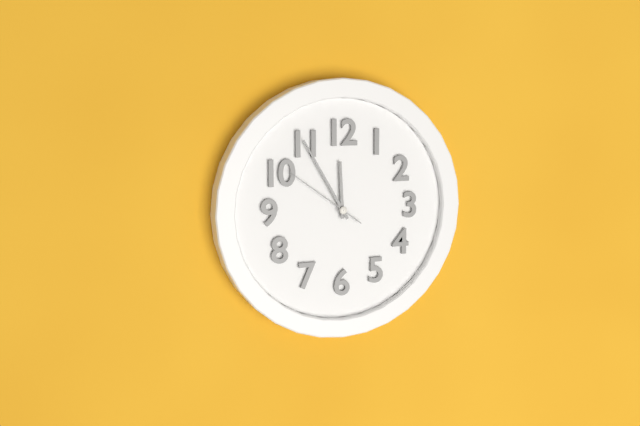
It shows 11:55:51
